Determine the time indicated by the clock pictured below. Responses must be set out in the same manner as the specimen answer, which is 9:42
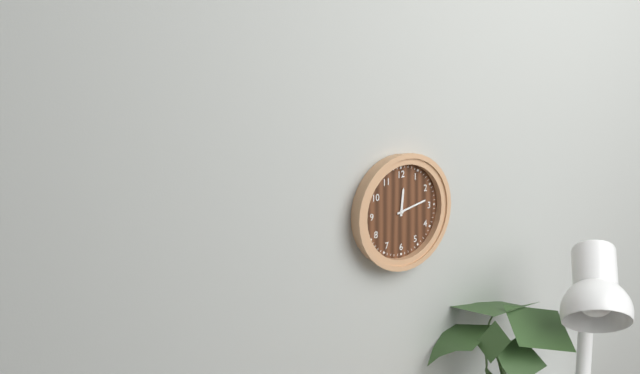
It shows 12:13
